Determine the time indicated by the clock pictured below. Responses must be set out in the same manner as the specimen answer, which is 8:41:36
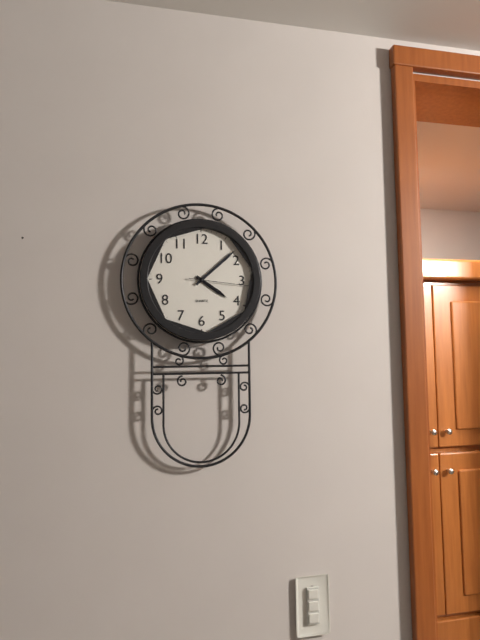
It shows 4:08:16
